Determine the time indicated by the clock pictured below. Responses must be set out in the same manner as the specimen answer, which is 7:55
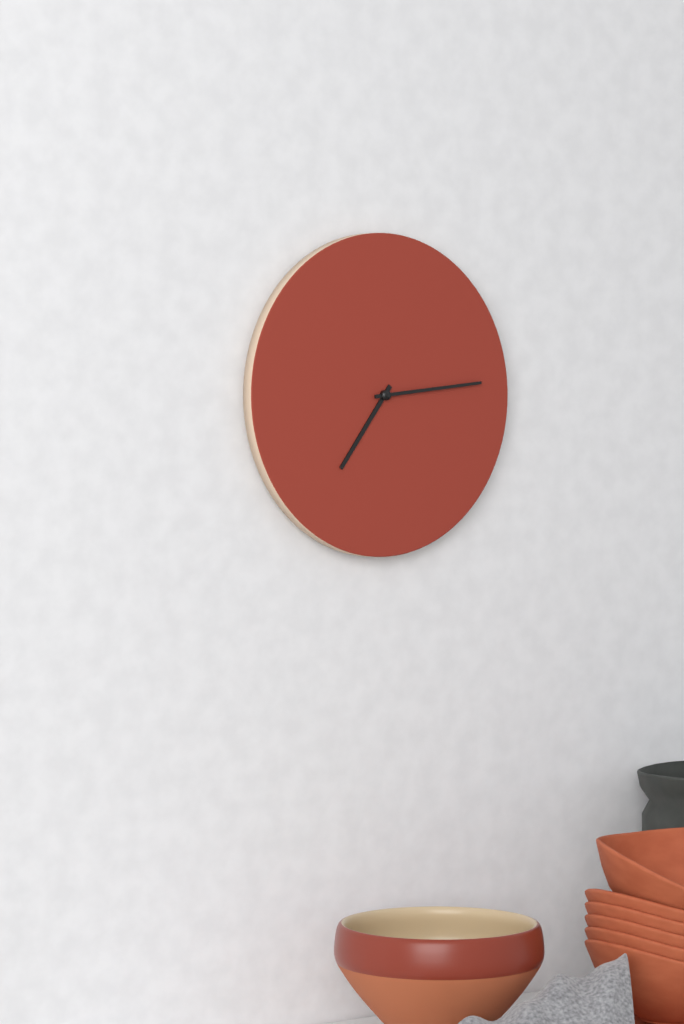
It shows 7:14
